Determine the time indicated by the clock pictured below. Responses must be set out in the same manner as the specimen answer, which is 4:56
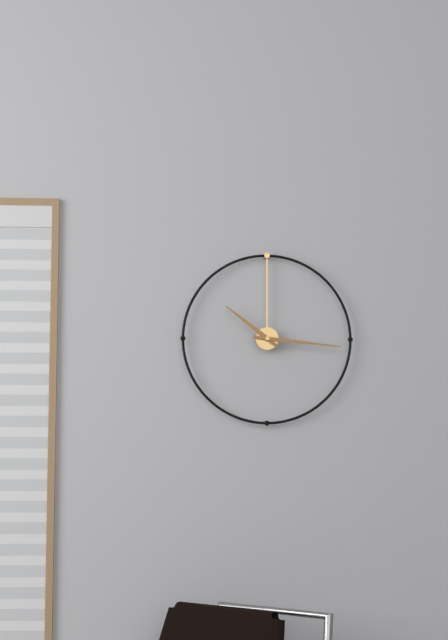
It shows 10:16
